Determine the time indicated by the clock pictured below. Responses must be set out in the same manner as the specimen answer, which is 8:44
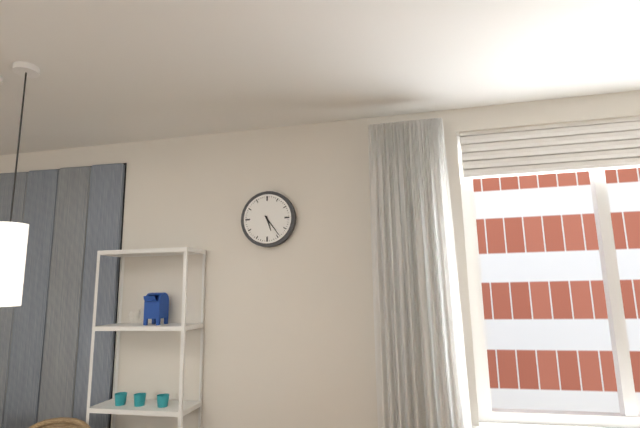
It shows 5:24
